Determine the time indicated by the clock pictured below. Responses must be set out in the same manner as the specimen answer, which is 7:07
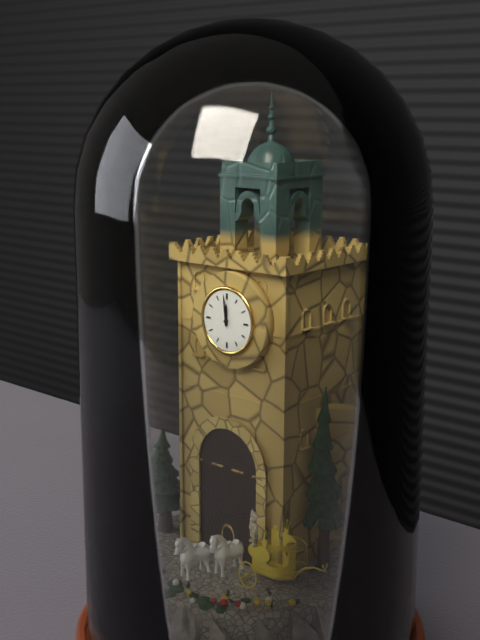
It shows 11:59
